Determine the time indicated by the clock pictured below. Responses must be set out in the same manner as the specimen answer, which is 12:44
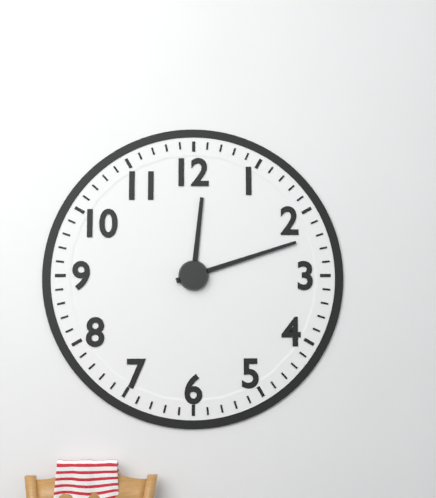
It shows 12:12
